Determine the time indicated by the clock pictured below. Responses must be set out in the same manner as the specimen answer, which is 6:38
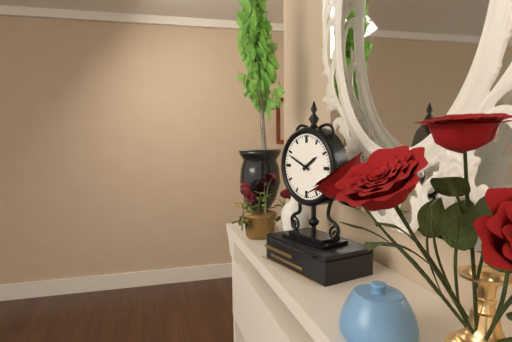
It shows 1:49
